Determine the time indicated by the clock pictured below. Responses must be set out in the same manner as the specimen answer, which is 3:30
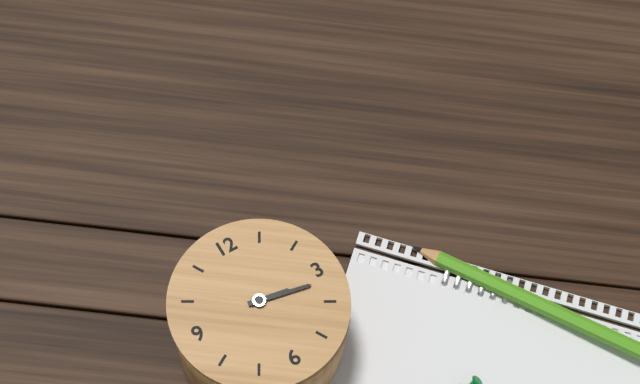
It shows 3:17
